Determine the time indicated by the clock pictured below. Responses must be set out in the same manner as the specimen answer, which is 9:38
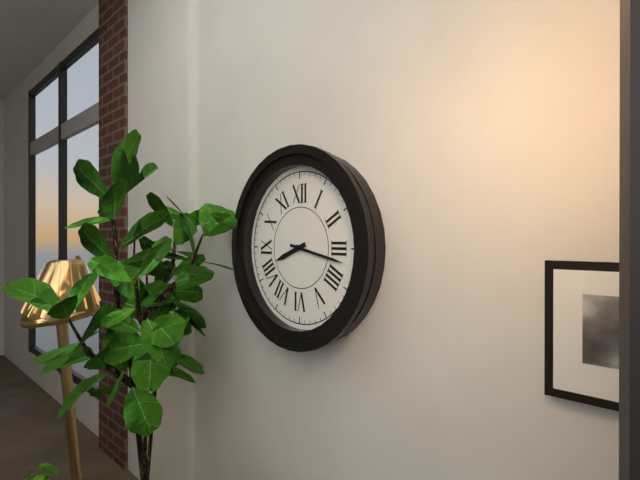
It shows 8:17
